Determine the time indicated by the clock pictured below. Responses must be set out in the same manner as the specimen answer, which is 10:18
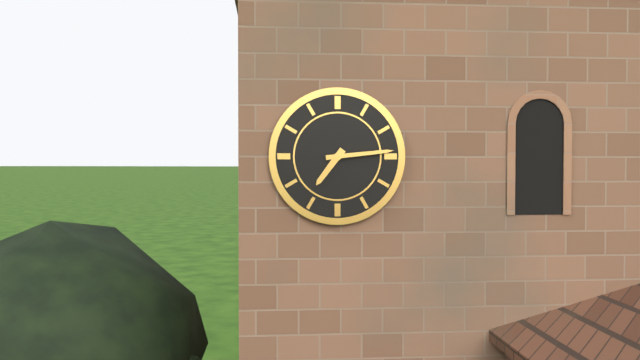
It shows 7:14
